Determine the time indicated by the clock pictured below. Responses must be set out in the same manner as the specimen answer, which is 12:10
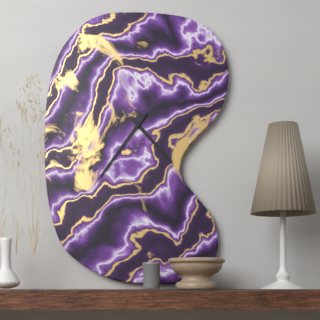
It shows 4:36
